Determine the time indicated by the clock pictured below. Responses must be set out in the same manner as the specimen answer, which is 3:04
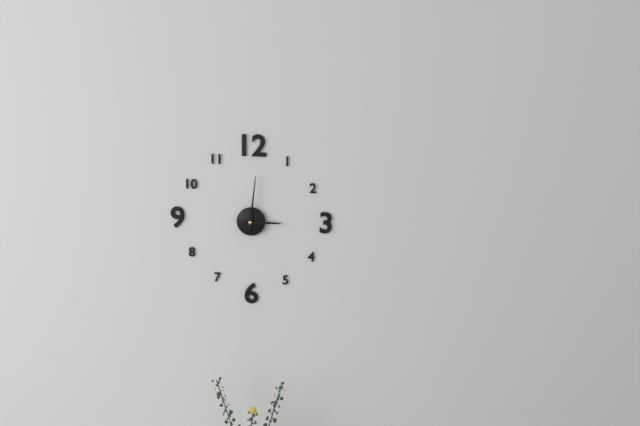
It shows 3:01
